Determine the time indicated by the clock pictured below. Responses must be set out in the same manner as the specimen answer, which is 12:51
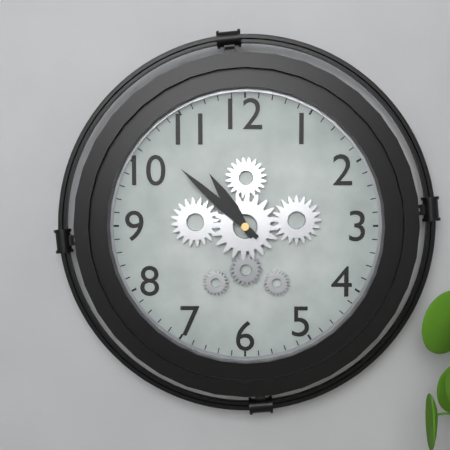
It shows 10:52
